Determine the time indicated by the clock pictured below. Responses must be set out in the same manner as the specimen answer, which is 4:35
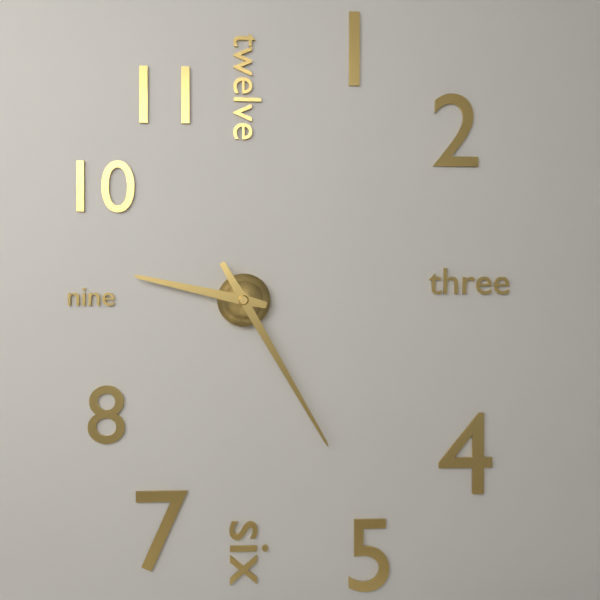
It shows 9:25
